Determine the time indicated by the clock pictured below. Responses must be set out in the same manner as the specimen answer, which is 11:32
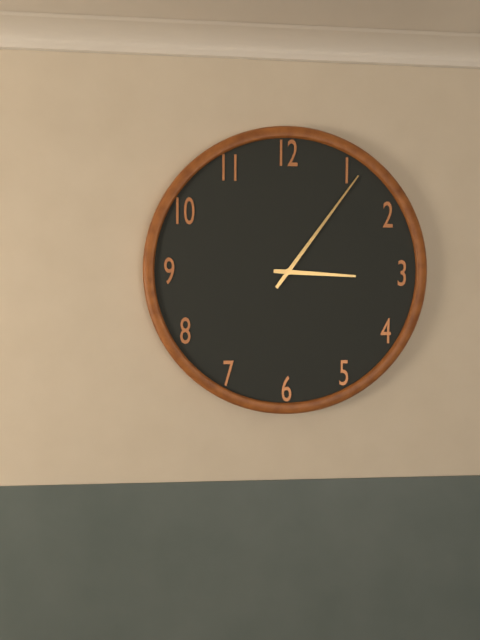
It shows 3:06
